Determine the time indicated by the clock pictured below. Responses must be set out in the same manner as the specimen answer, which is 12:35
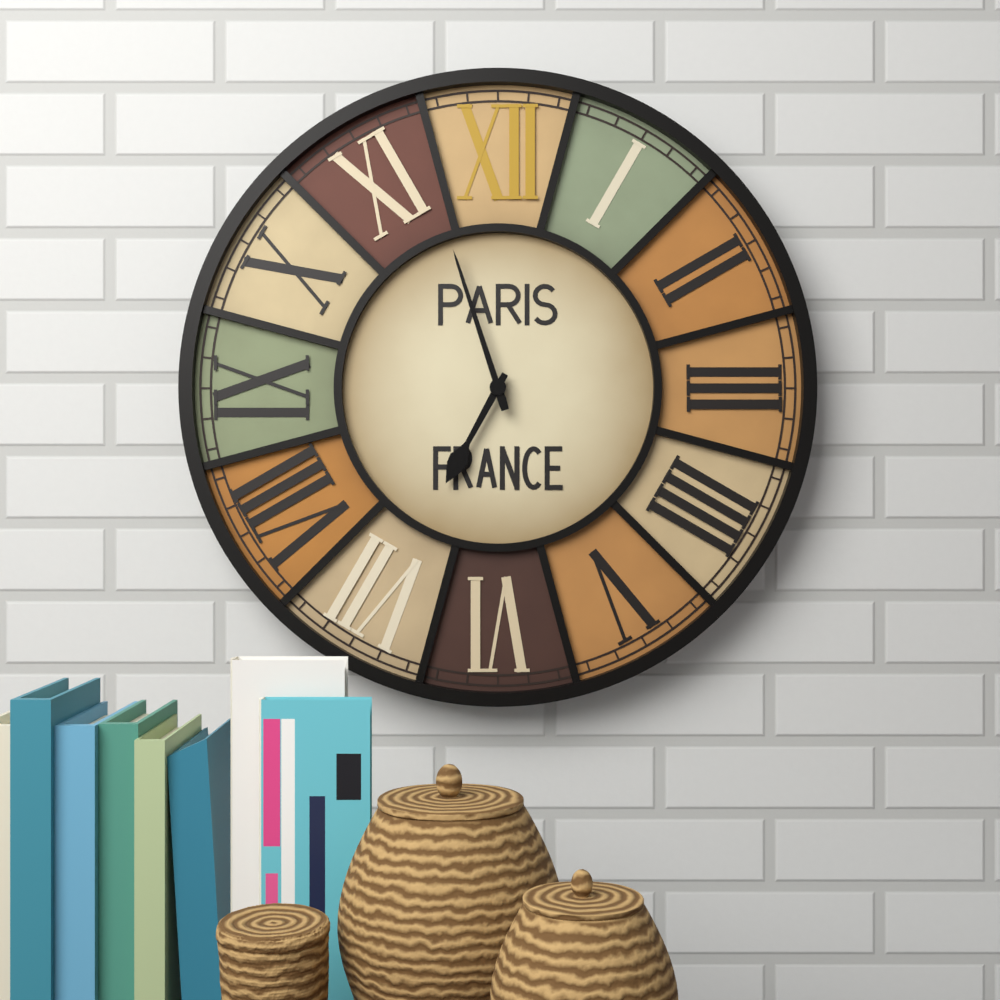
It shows 6:57
